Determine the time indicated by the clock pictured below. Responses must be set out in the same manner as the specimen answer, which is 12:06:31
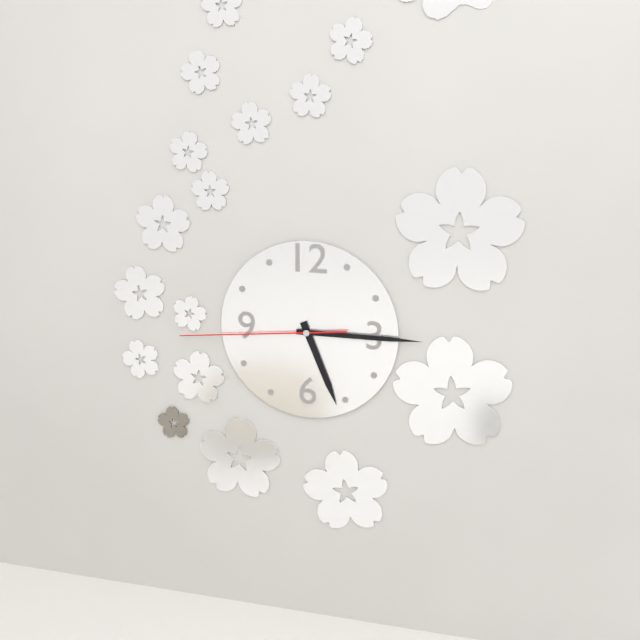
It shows 5:15:44
